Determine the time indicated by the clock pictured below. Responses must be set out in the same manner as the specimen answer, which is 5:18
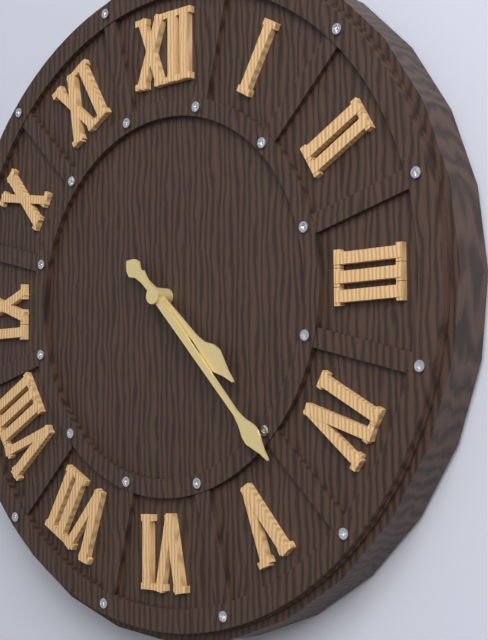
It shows 4:23
